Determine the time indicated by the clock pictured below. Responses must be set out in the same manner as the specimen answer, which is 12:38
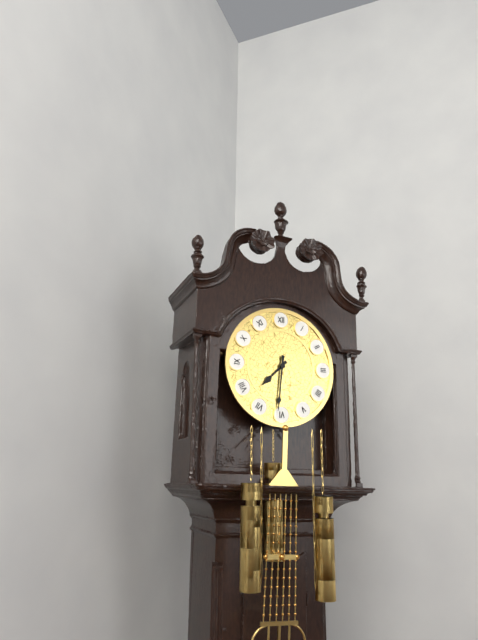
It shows 7:31
